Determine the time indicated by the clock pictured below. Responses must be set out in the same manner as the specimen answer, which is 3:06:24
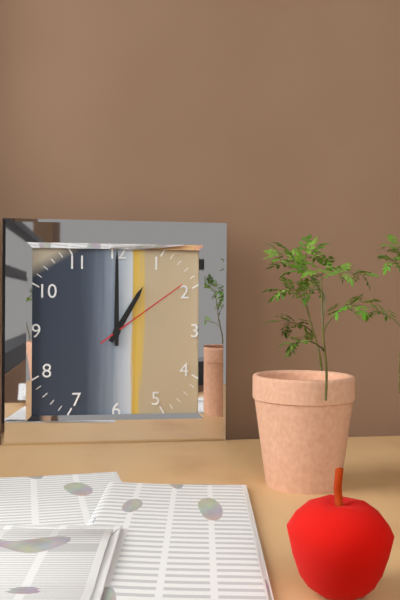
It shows 1:00:09
